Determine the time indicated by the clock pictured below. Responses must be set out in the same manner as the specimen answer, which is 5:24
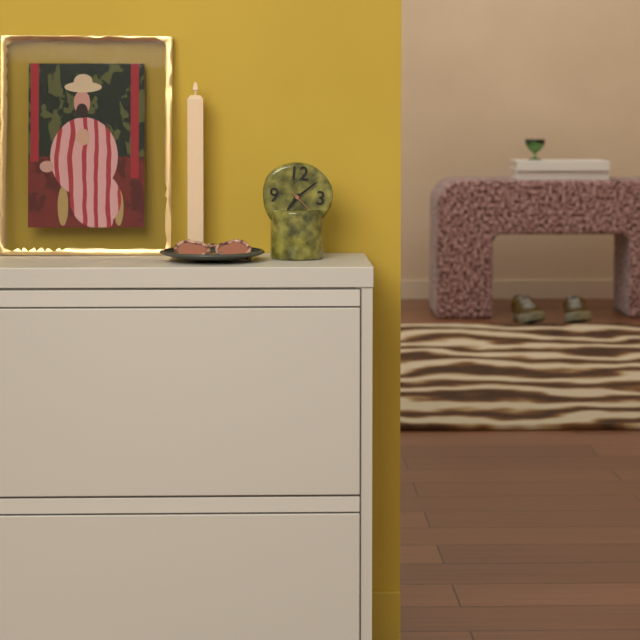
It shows 7:08
